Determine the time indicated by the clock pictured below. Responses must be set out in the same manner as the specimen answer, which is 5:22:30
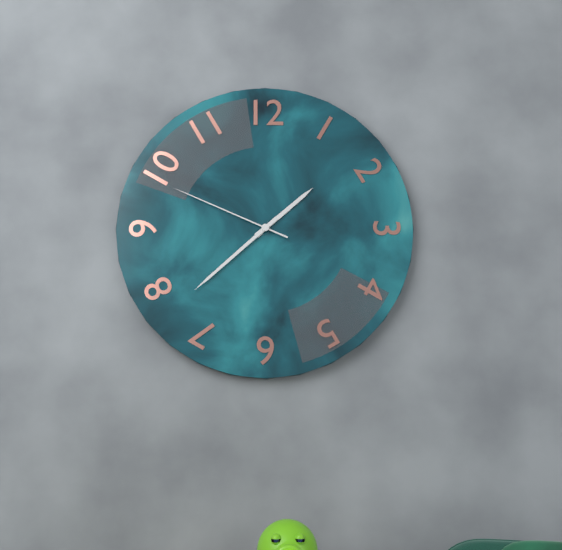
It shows 1:38:49
